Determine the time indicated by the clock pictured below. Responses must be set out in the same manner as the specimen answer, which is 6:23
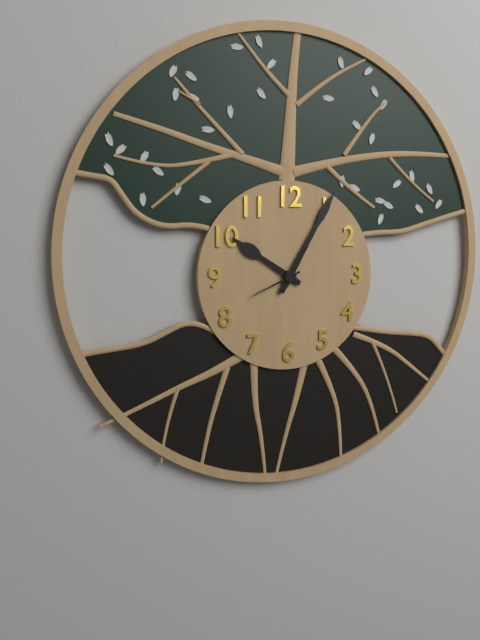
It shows 10:05
